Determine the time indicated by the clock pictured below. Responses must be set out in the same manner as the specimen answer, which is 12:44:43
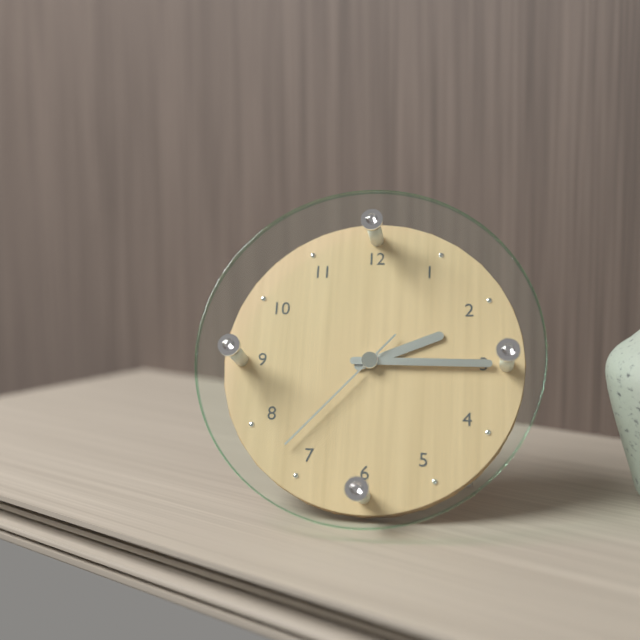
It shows 2:15:37
